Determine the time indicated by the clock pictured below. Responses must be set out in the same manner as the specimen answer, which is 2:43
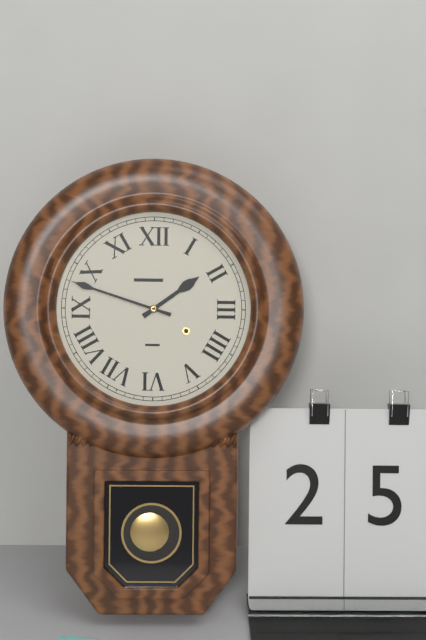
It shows 1:48
